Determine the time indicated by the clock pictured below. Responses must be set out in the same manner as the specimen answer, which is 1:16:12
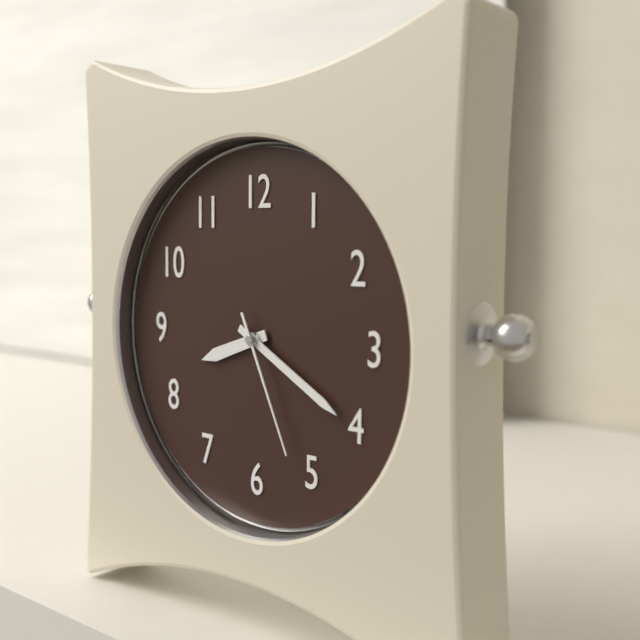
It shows 8:20:26
